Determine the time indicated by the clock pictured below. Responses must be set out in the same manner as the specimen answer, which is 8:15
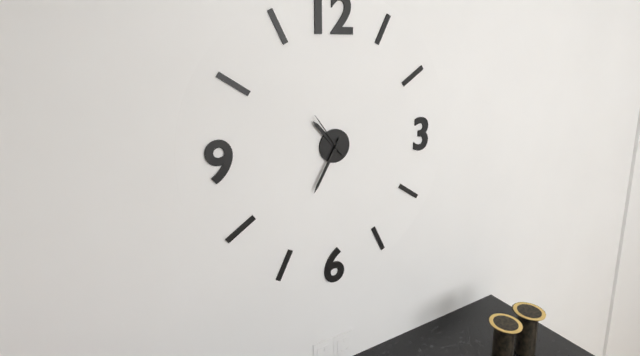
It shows 10:35
